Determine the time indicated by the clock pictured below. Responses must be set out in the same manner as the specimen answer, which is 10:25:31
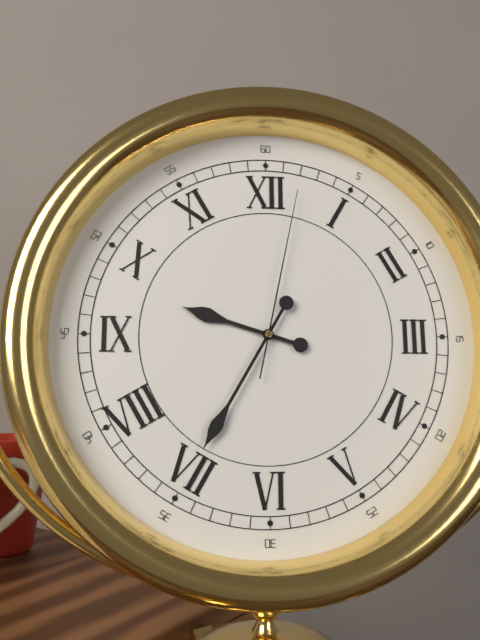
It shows 9:35:02
